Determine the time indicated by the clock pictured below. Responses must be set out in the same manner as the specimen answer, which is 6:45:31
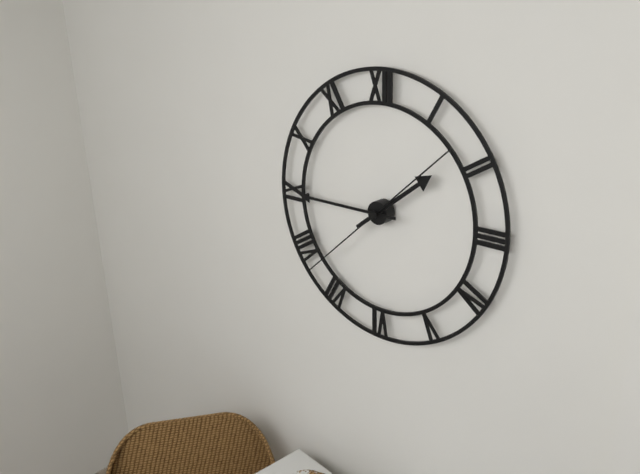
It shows 1:45:38
